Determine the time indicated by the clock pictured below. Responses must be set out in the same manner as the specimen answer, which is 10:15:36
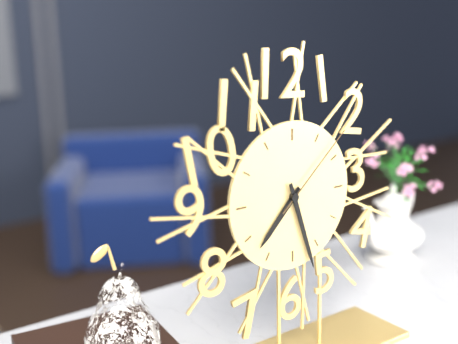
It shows 7:27:08
